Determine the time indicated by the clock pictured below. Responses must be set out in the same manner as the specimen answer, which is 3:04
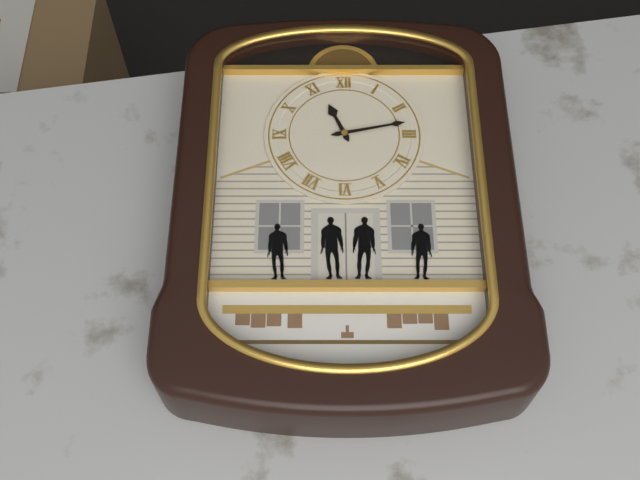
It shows 11:13
